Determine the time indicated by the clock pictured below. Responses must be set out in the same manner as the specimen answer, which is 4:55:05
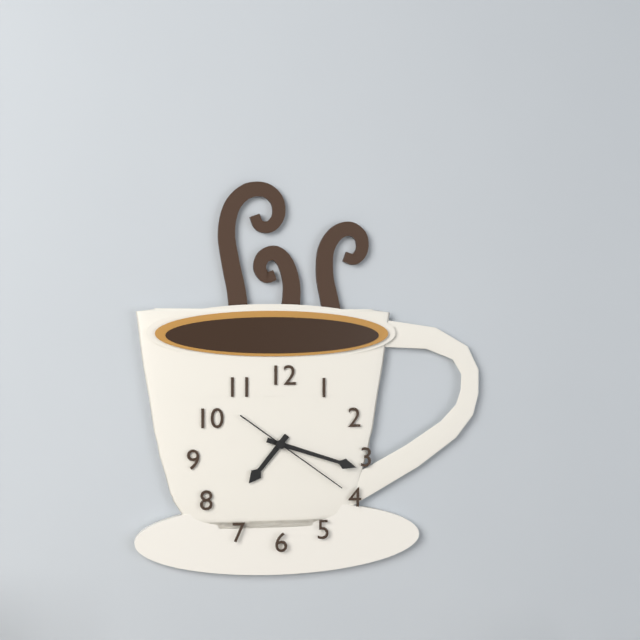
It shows 7:18:21
